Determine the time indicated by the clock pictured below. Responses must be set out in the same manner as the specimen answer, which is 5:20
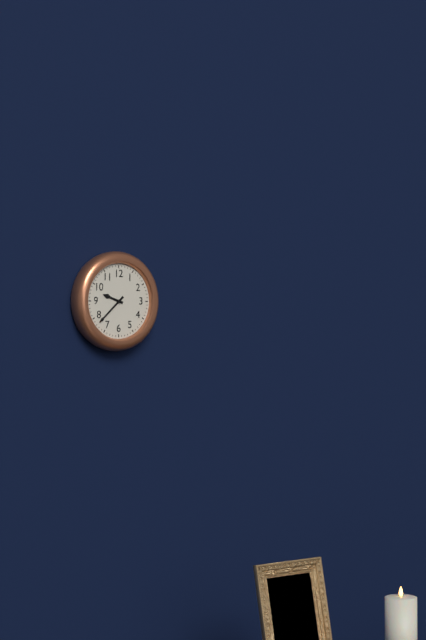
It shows 9:38
